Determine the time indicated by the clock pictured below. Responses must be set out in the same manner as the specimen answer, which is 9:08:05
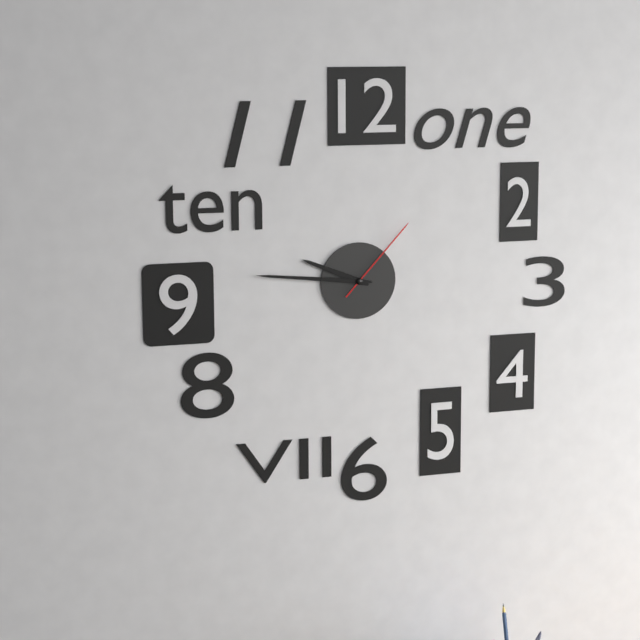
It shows 9:46:07
